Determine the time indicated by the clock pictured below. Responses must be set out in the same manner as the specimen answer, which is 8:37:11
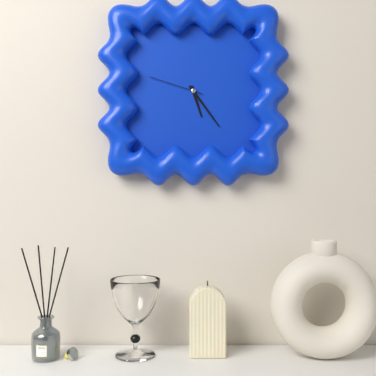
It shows 5:24:48
